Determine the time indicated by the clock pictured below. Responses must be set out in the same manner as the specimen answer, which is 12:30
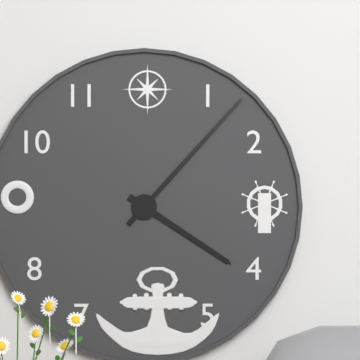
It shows 4:07
